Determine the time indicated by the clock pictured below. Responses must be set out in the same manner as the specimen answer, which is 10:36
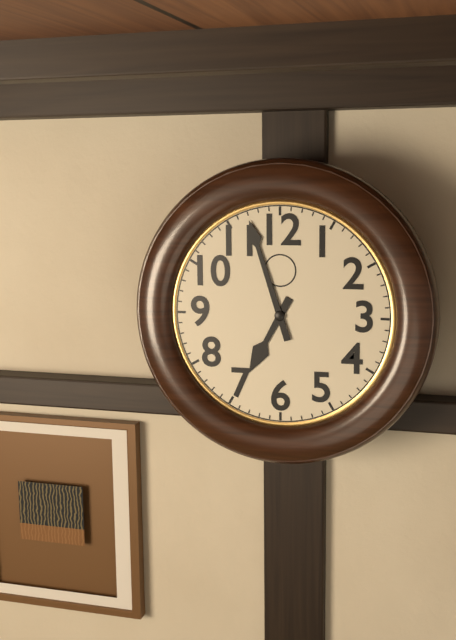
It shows 6:57
